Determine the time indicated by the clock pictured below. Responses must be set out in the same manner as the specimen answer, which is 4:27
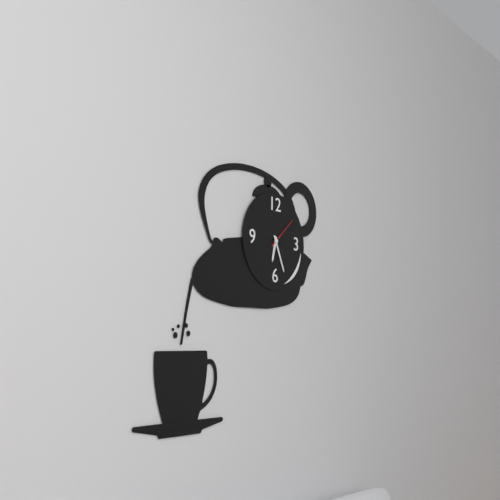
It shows 6:26
